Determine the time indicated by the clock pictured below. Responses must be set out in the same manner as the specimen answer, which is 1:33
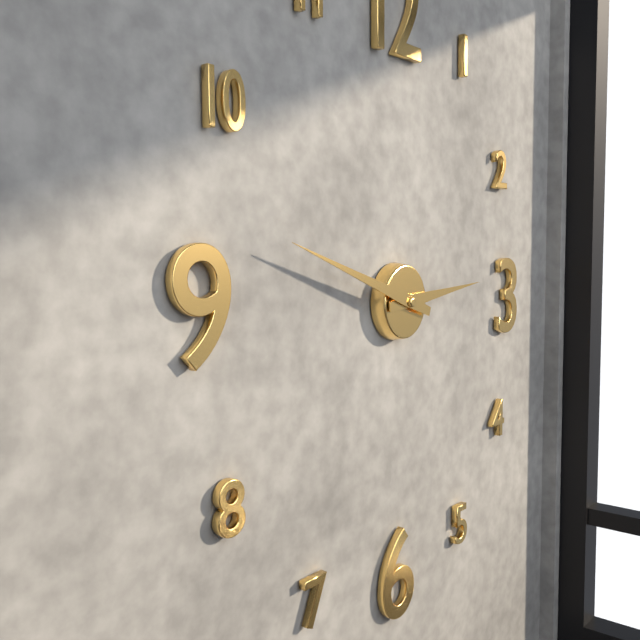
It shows 2:48
